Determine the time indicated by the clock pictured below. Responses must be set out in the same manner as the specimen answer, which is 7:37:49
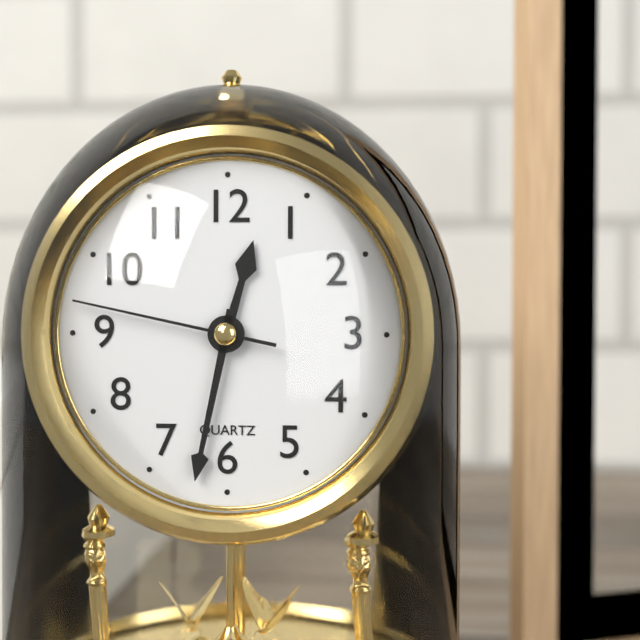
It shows 12:32:47
